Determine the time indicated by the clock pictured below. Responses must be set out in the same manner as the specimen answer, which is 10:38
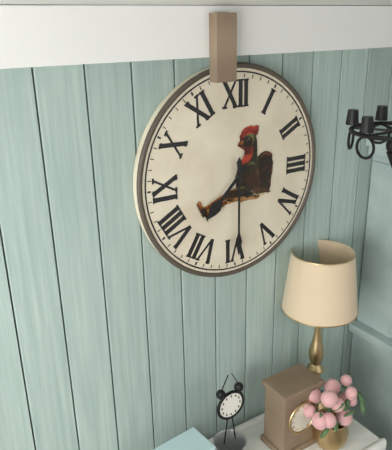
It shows 7:30
